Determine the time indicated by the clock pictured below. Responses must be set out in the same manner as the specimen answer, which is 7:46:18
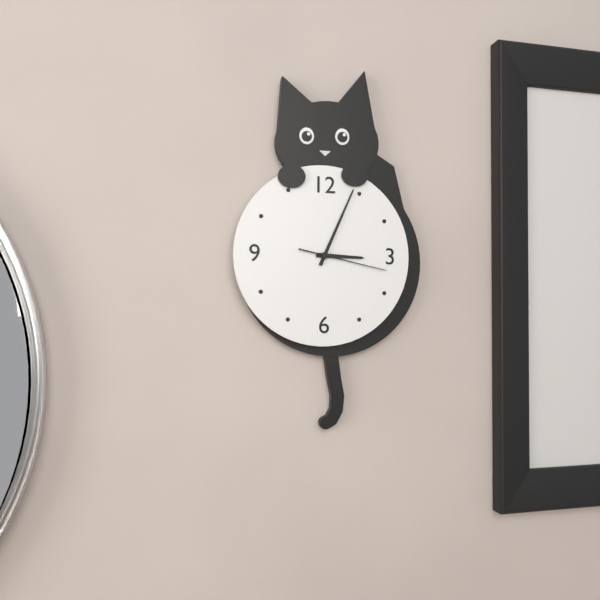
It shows 3:04:17
